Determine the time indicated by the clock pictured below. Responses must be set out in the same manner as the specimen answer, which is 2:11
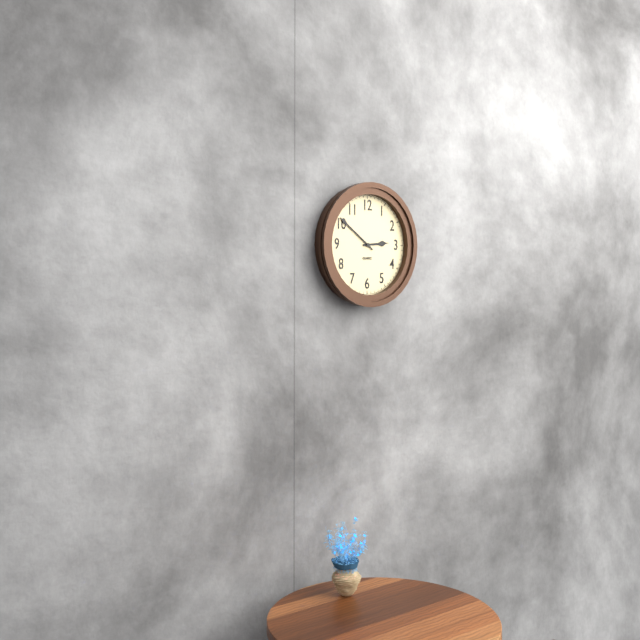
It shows 2:51
